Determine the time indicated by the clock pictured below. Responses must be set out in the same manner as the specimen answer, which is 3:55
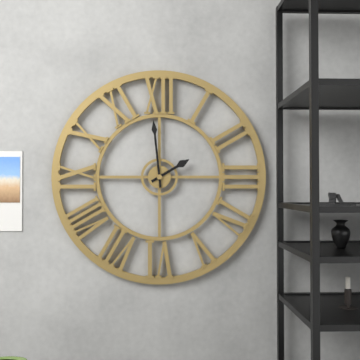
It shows 1:59
